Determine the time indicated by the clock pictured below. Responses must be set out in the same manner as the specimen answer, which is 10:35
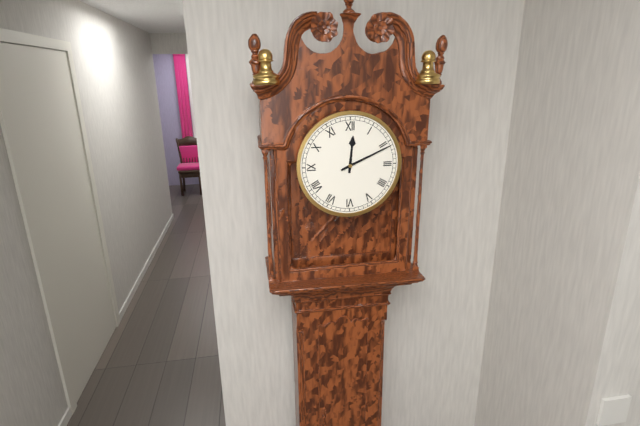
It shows 12:11
